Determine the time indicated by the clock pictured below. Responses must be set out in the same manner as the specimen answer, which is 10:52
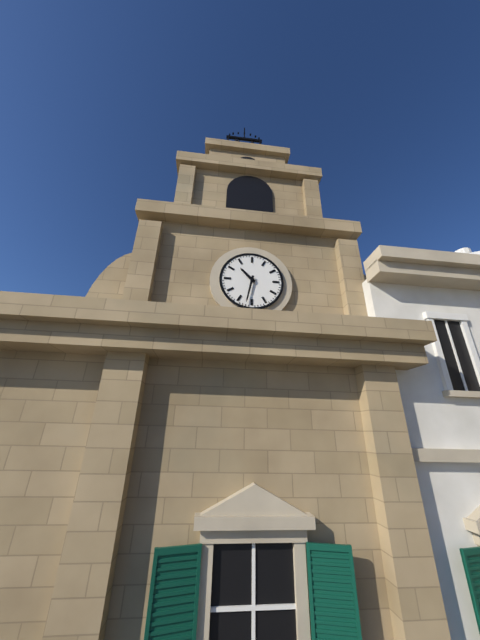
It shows 10:32
